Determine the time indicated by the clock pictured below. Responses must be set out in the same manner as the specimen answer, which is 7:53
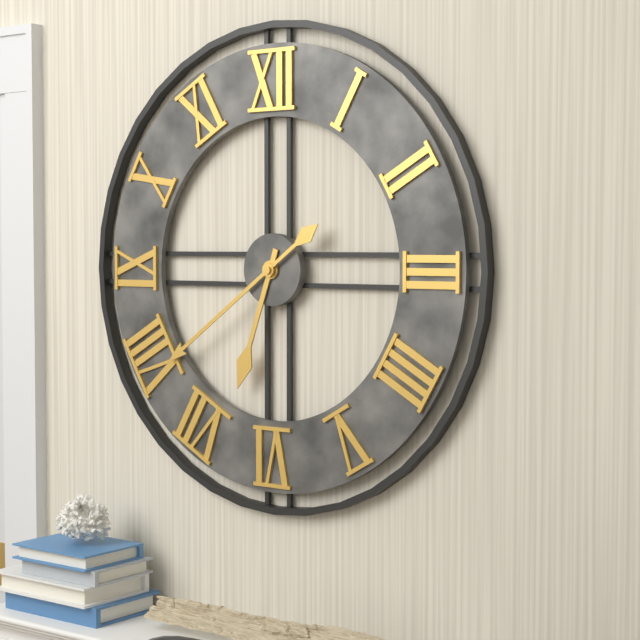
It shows 6:39
